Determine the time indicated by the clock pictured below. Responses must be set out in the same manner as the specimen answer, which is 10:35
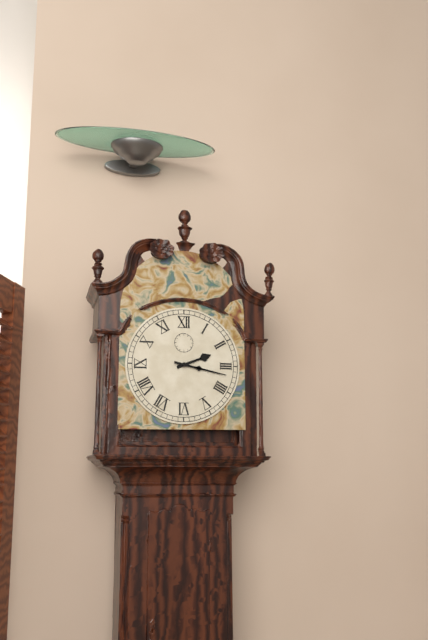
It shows 2:17
